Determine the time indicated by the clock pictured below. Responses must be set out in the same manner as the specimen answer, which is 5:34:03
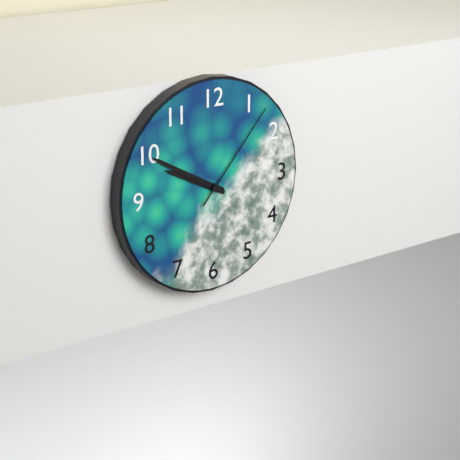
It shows 9:50:07
